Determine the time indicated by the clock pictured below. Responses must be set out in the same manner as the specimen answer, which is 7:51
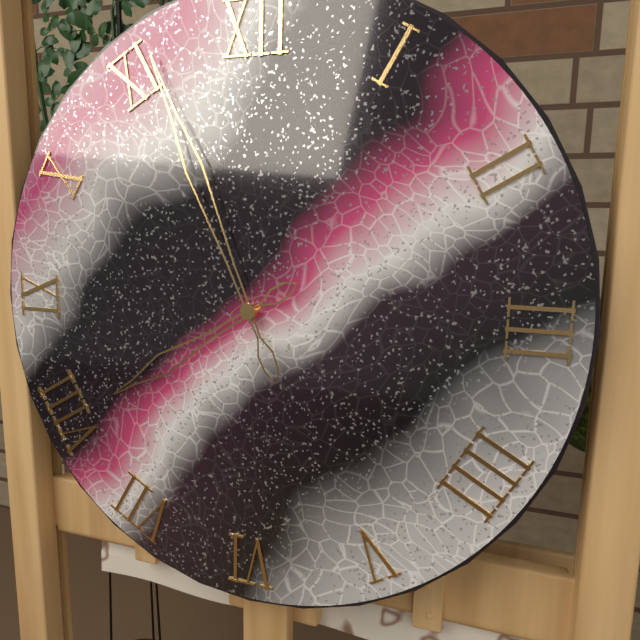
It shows 7:56
